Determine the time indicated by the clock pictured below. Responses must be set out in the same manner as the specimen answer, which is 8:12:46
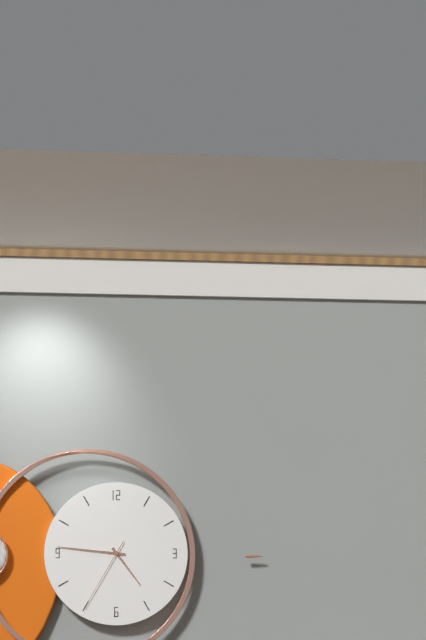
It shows 4:46:35
